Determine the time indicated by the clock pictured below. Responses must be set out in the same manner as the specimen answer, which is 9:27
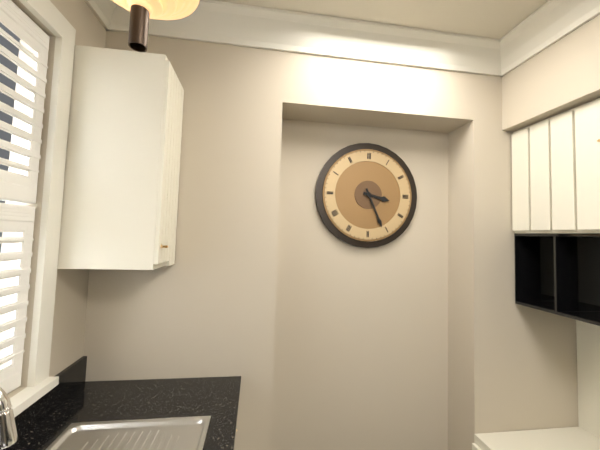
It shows 3:26
